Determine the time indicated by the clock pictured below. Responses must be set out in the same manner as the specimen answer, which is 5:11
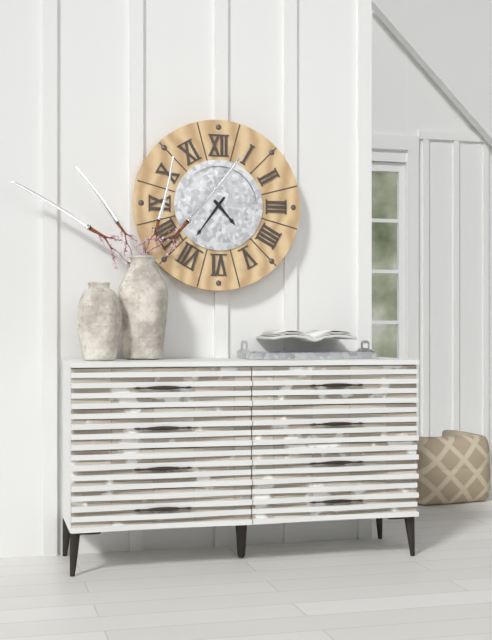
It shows 4:36
